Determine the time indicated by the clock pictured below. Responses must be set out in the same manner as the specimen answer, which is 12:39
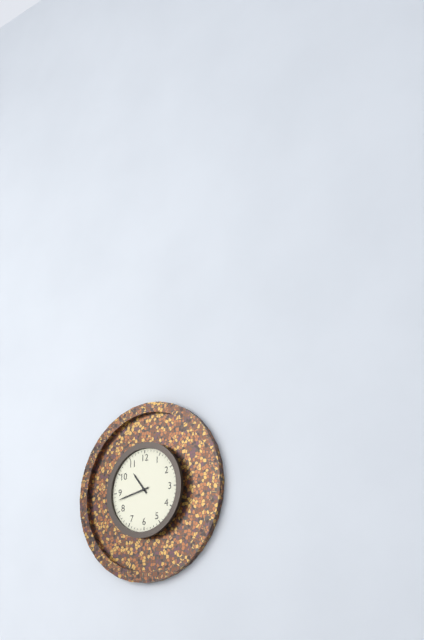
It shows 10:43
